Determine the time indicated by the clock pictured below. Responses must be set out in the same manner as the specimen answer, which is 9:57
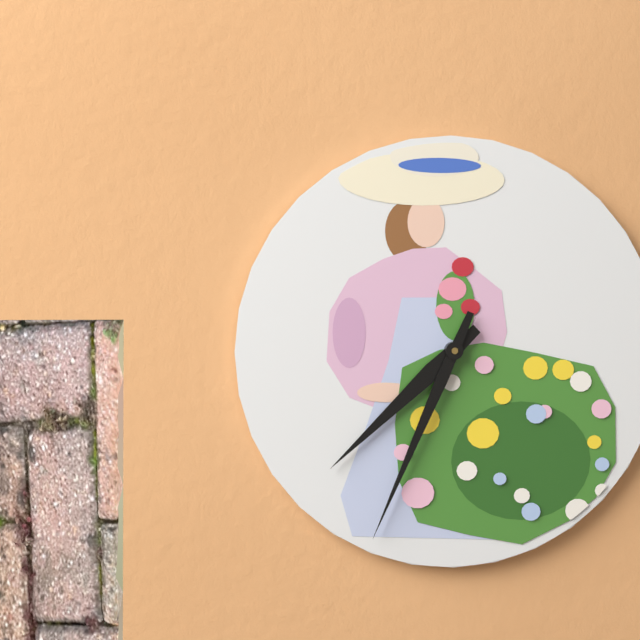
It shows 7:34
